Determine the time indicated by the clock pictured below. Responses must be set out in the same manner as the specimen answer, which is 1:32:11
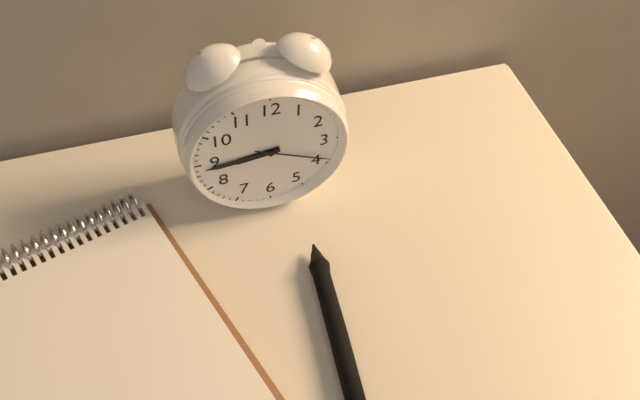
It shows 8:44:19
